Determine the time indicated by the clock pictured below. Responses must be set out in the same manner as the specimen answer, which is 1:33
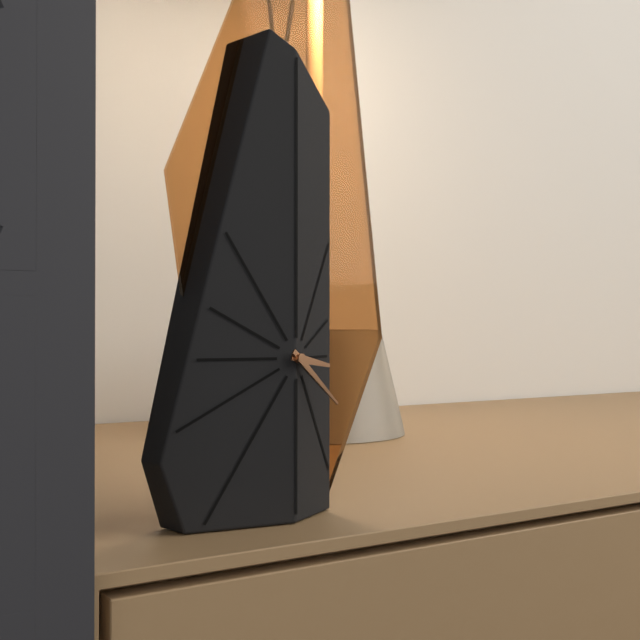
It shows 3:22
